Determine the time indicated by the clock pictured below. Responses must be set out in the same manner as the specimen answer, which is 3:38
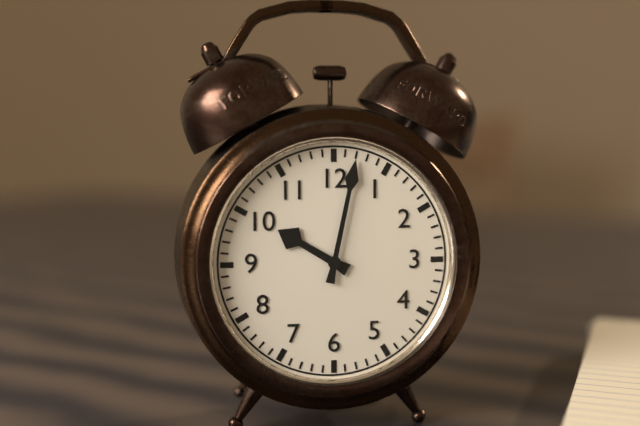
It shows 10:02
